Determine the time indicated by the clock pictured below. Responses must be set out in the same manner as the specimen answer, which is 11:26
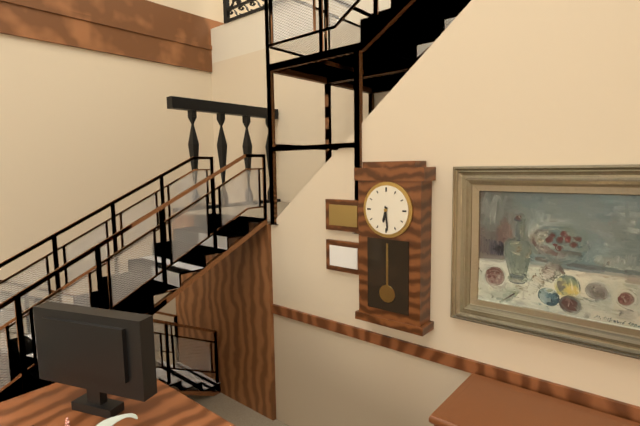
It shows 6:29
